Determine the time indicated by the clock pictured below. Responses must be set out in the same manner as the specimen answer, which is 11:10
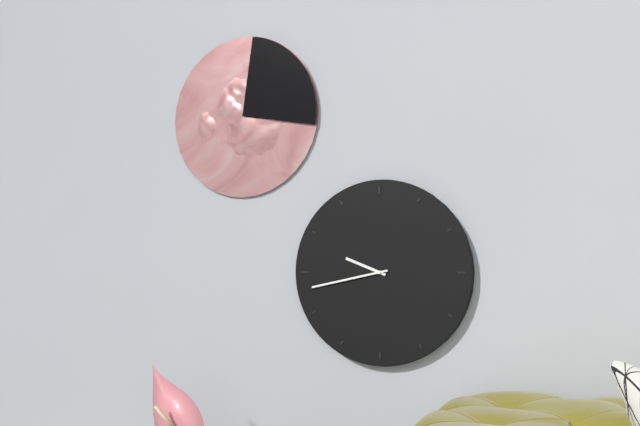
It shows 9:43
